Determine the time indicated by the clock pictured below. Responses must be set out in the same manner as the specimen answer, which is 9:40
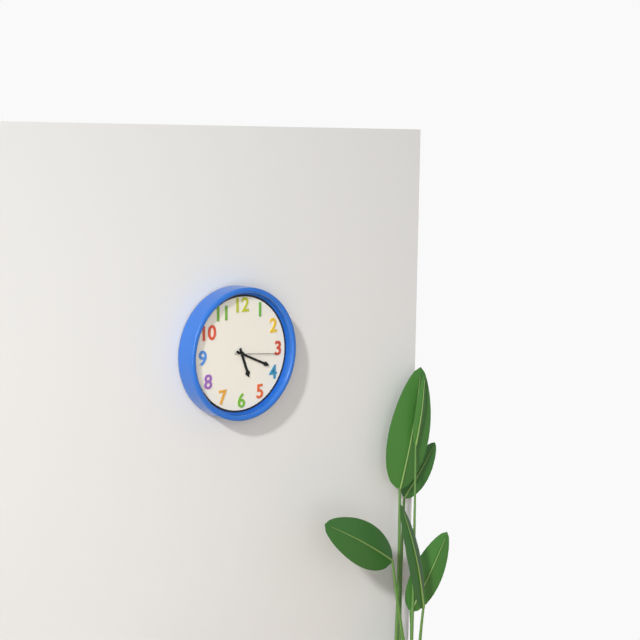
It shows 5:19
